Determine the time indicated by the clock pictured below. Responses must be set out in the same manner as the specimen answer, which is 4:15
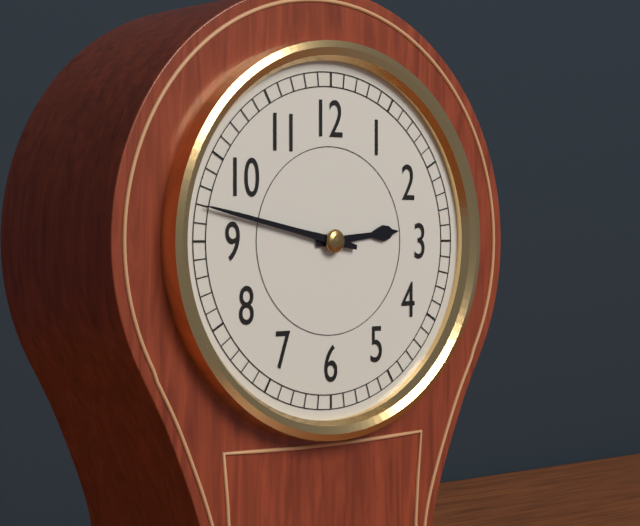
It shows 2:47
